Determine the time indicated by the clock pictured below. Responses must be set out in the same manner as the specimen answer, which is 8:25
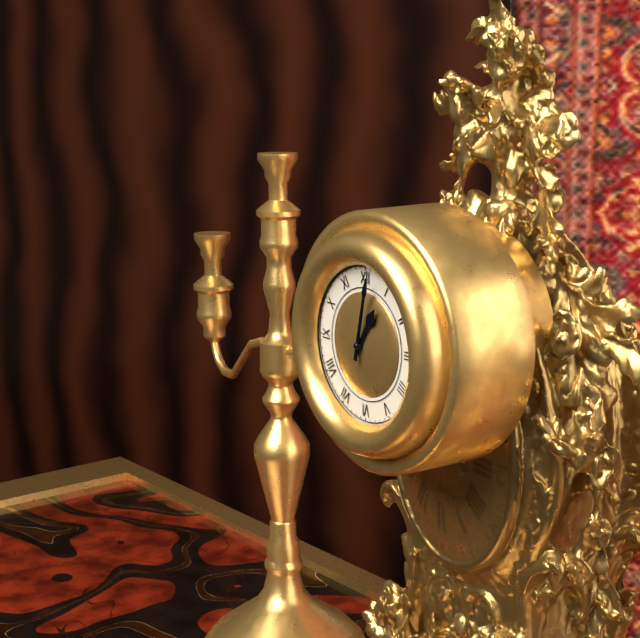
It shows 1:02
